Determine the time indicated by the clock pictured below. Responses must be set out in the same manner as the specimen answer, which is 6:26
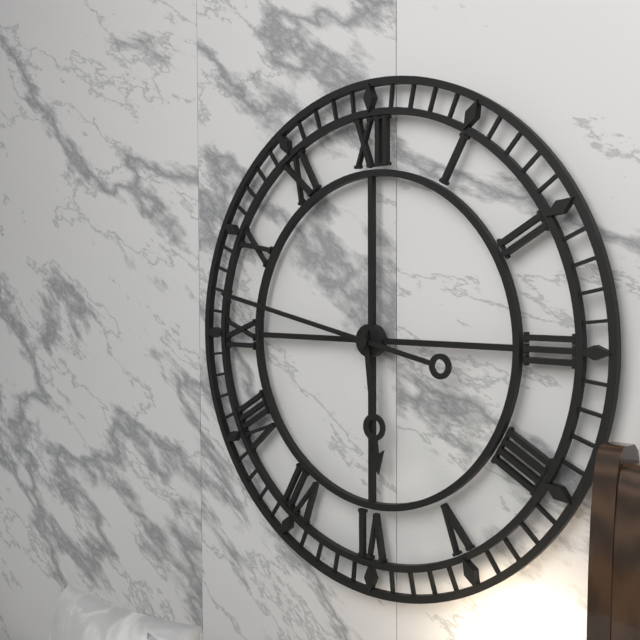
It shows 5:47
